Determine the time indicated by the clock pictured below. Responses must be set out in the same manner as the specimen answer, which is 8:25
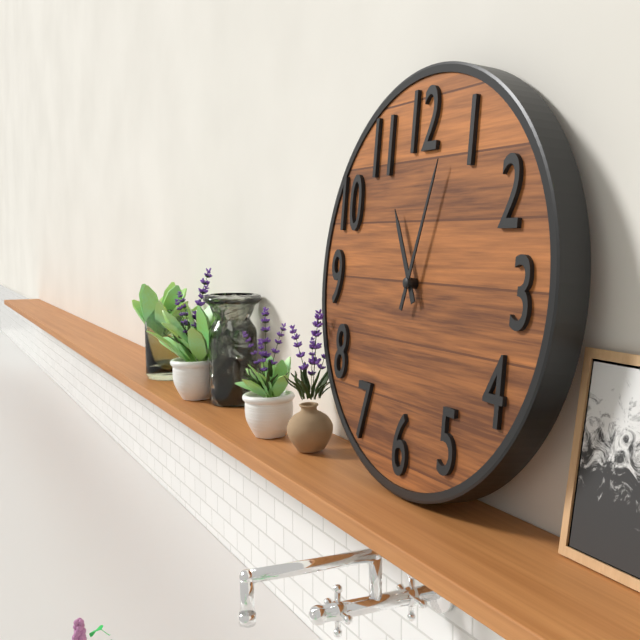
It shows 11:03
